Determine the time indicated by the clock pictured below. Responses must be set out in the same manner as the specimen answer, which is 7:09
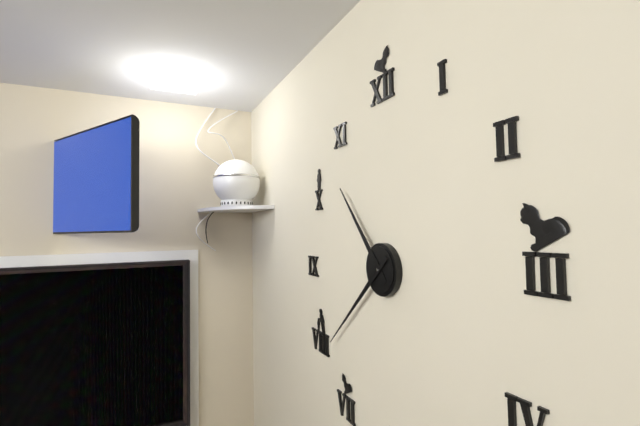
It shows 10:38
